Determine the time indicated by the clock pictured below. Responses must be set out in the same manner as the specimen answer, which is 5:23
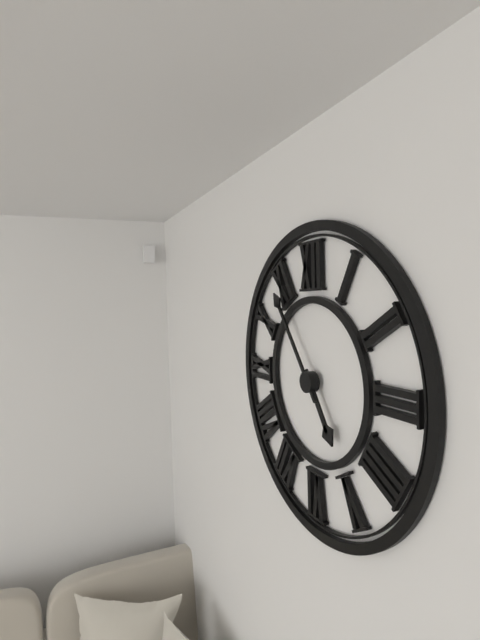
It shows 4:54
